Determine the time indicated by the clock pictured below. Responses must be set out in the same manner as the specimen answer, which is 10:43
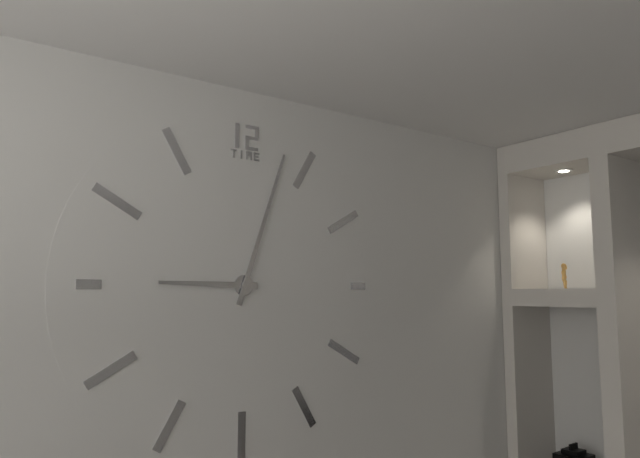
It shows 9:03
